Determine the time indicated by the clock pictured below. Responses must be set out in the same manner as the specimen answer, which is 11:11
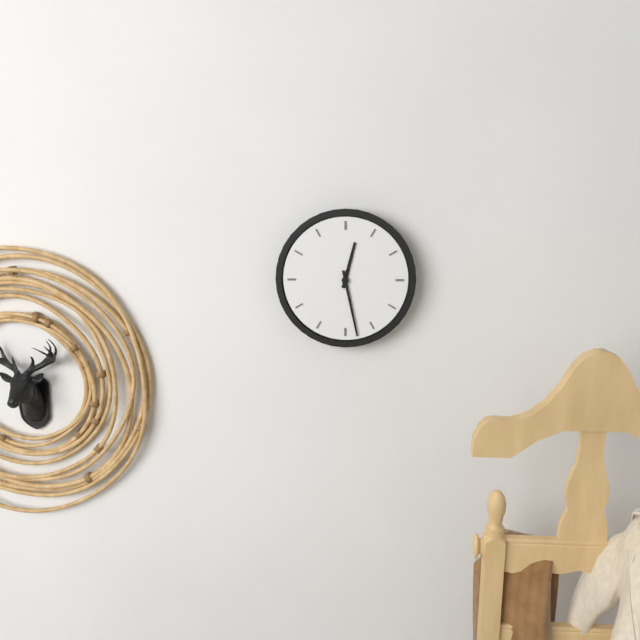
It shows 12:28
